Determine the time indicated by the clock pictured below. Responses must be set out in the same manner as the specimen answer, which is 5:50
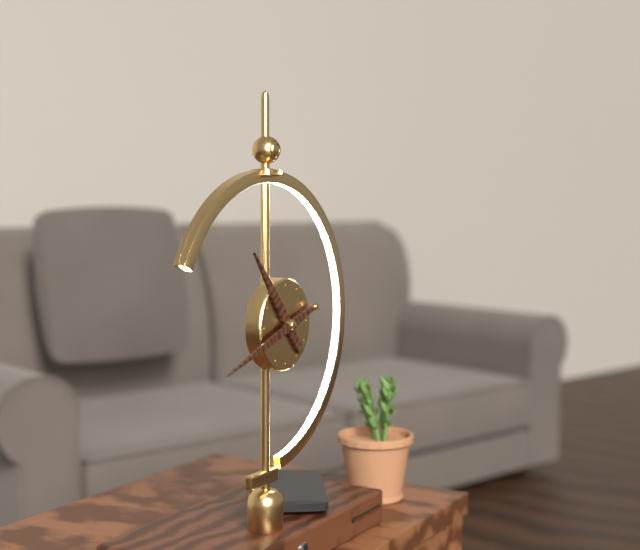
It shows 10:42
